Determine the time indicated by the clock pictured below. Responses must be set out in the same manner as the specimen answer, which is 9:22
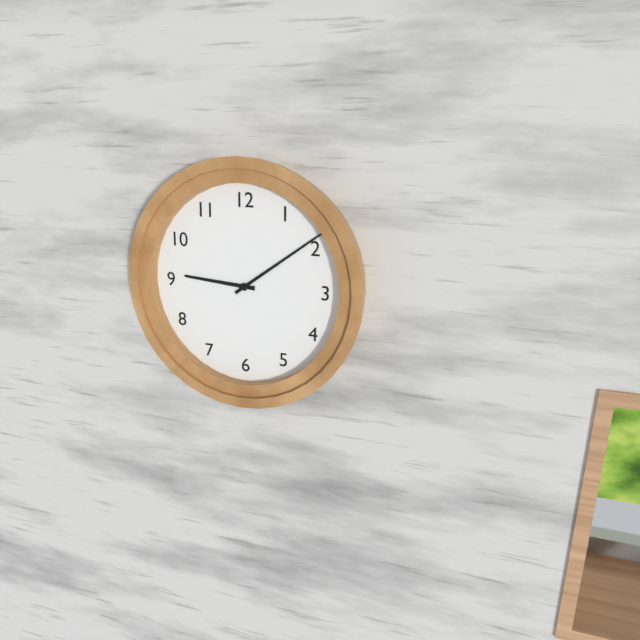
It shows 9:09
